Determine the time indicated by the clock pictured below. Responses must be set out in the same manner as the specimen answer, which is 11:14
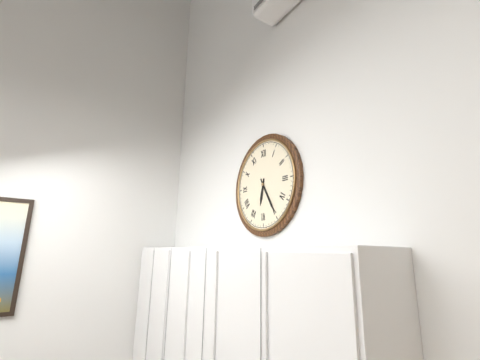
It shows 6:25
